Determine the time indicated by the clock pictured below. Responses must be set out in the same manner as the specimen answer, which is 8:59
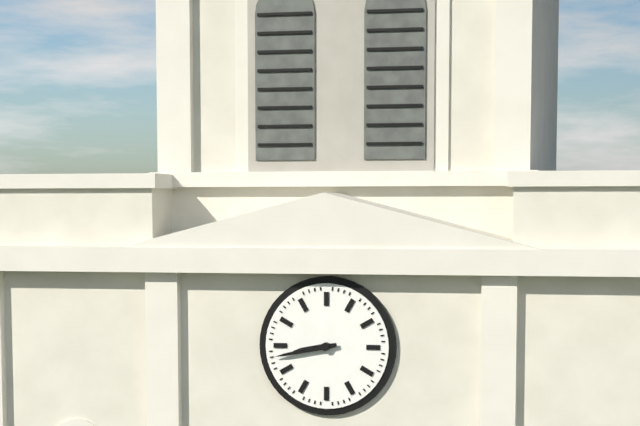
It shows 8:43
